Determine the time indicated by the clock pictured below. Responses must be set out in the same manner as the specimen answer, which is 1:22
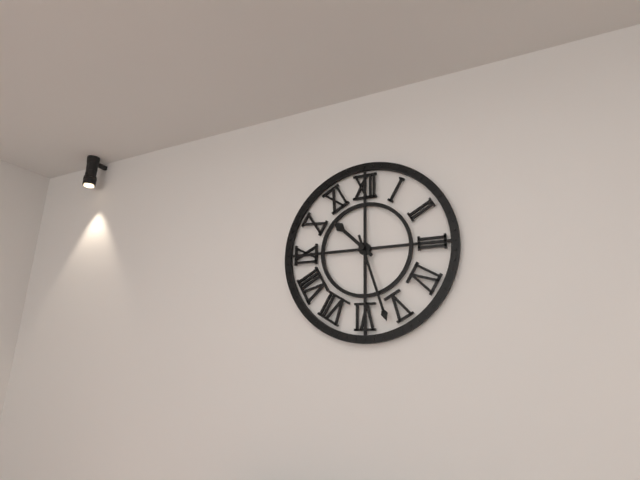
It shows 10:27
